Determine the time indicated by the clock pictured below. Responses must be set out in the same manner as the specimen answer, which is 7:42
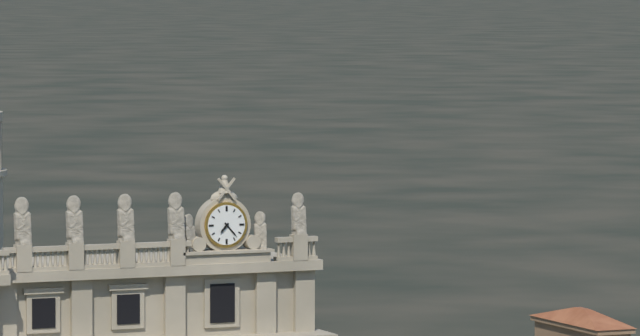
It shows 7:23
